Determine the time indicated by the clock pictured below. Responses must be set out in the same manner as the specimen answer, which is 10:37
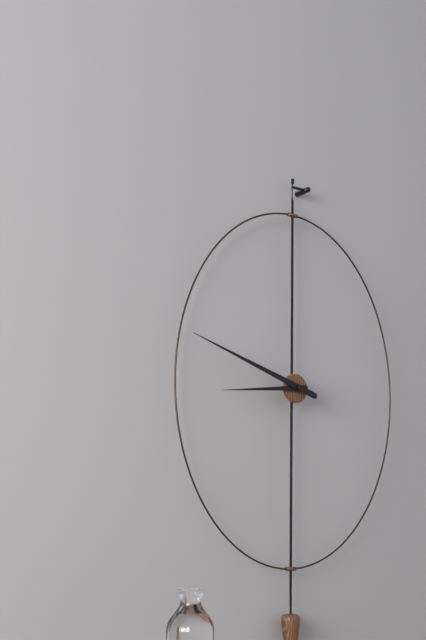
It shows 8:48
